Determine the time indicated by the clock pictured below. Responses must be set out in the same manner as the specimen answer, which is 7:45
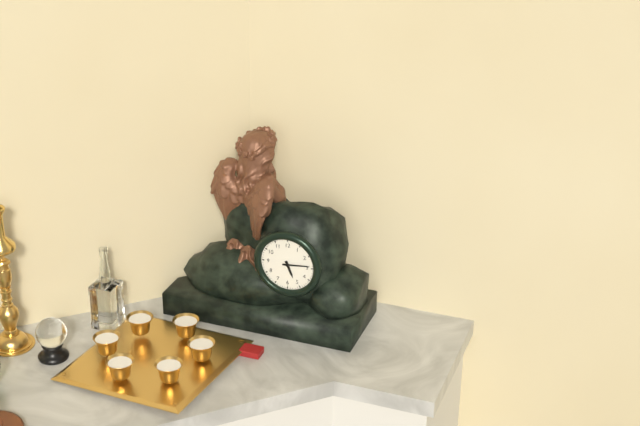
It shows 5:14
